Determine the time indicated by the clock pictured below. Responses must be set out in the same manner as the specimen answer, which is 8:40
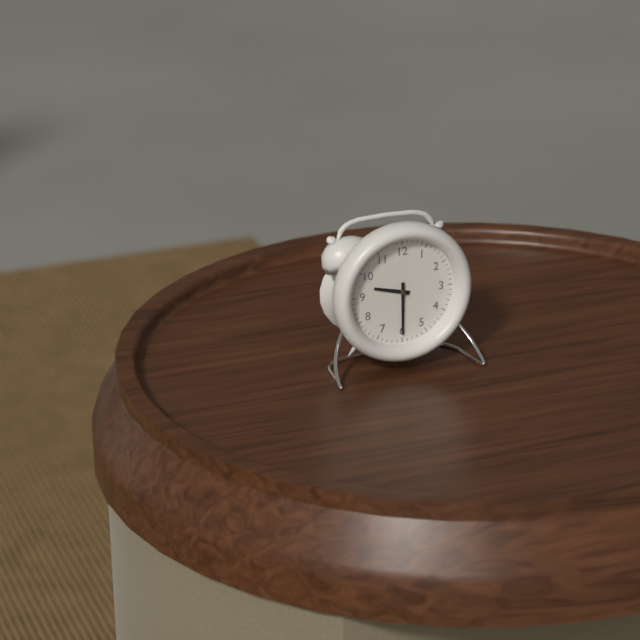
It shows 9:30
